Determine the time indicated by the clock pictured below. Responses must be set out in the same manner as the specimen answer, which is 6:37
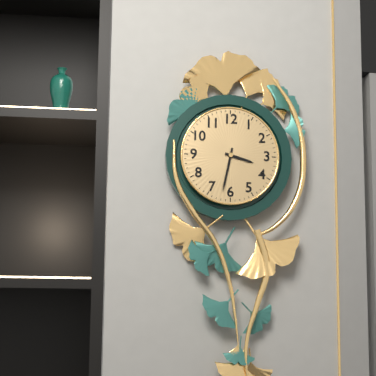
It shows 3:32
